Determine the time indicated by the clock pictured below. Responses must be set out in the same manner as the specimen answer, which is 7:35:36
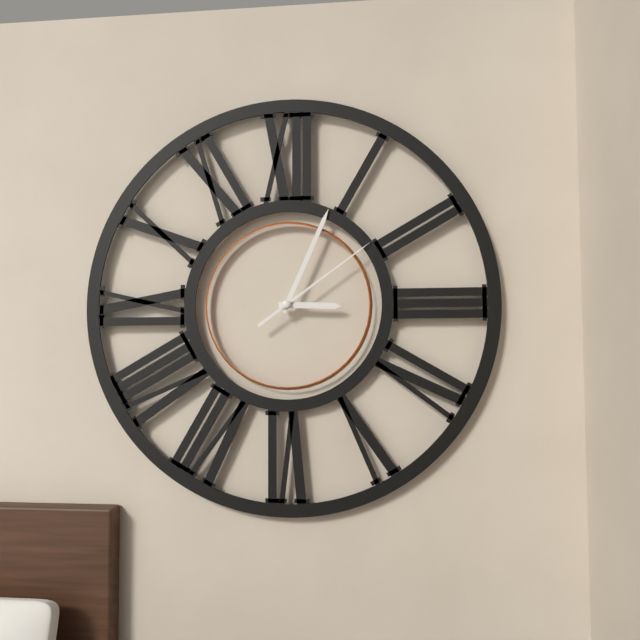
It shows 3:04:09
